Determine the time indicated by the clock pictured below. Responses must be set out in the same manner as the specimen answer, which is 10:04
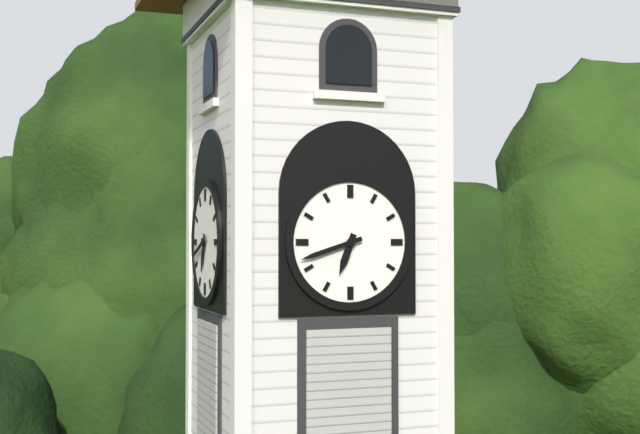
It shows 6:42
